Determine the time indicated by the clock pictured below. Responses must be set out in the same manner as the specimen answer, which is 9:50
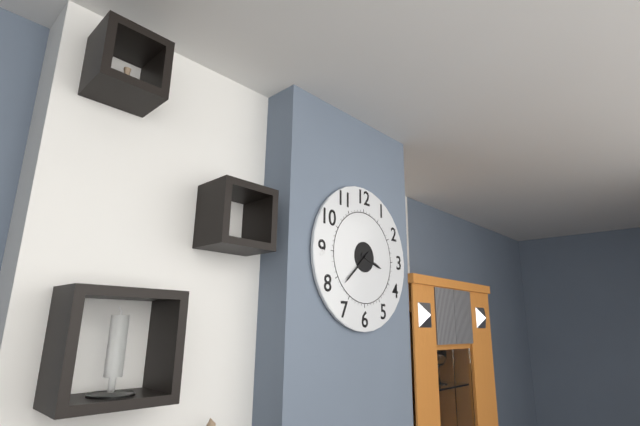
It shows 3:38
